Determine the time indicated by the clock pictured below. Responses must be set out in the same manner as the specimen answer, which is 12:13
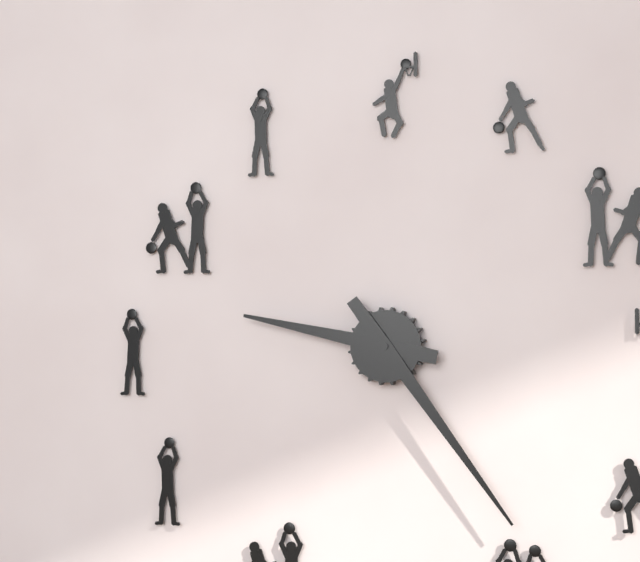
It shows 9:24
